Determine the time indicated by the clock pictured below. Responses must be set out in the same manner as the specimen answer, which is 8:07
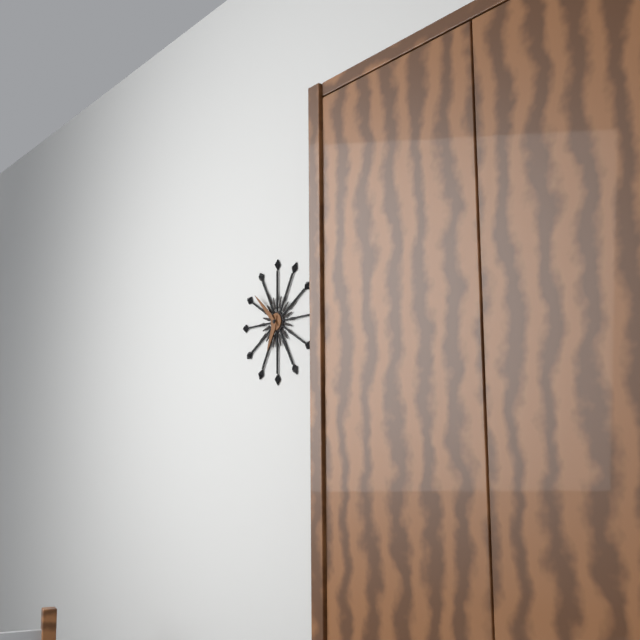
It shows 6:52
